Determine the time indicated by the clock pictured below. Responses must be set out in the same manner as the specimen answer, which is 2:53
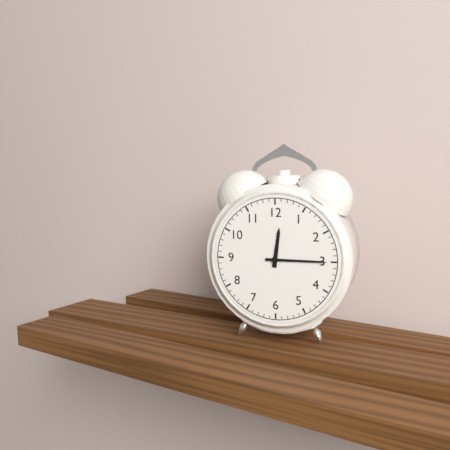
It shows 12:15
